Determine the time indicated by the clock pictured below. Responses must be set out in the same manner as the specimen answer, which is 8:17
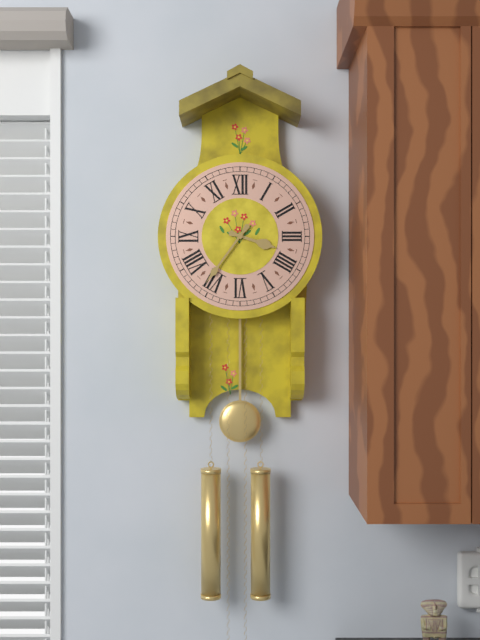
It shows 3:36
